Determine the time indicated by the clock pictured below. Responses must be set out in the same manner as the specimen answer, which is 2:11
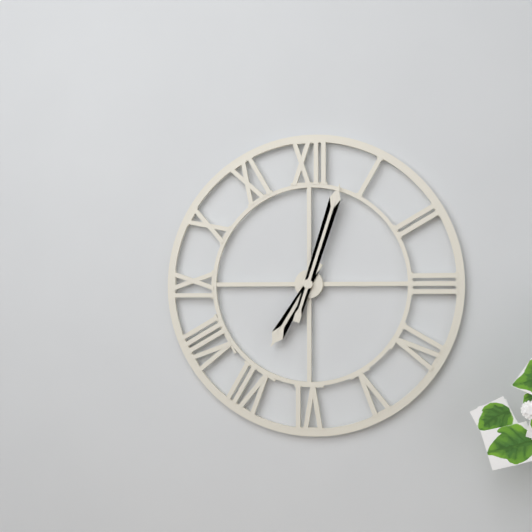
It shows 7:03
